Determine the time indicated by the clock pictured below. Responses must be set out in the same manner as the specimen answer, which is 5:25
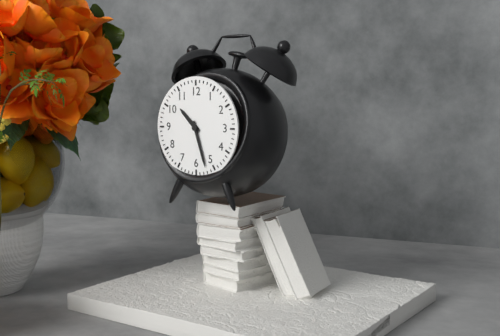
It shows 10:27
